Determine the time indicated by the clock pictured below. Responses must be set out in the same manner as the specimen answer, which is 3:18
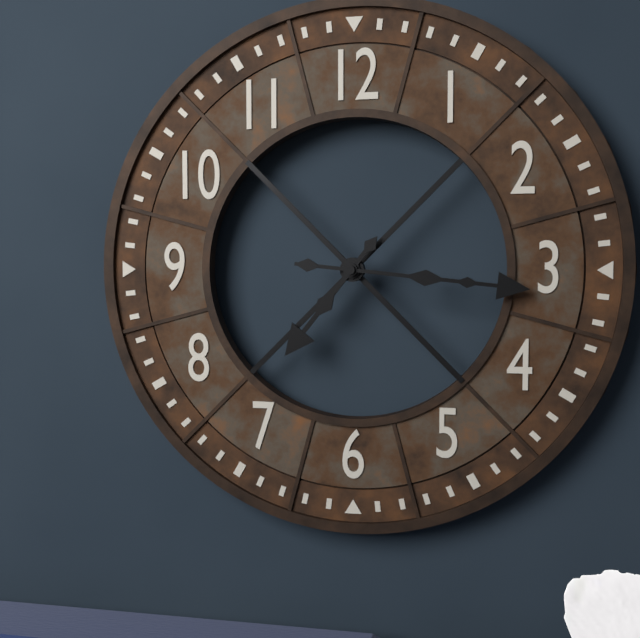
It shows 7:16
